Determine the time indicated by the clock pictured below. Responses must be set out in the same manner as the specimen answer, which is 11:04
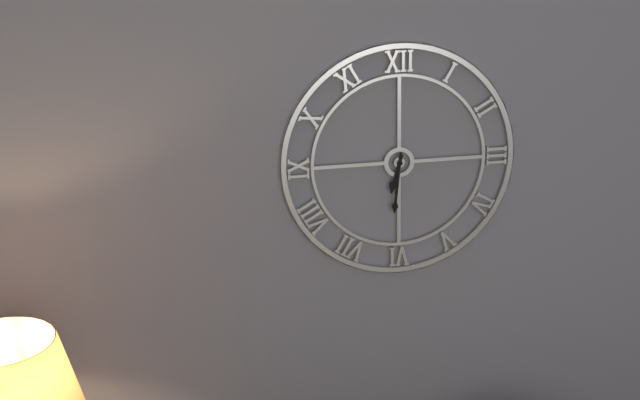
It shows 6:31
